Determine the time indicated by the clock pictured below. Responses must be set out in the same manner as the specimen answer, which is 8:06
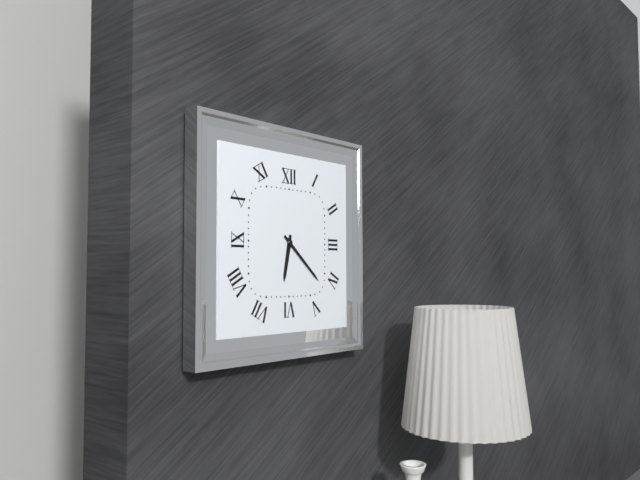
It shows 6:22
